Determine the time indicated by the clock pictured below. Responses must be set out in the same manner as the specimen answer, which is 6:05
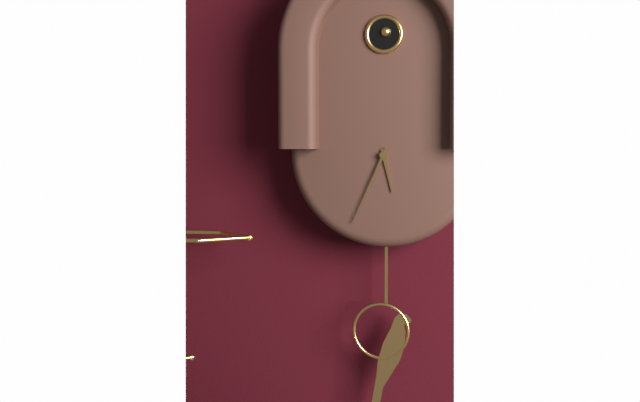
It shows 5:34
